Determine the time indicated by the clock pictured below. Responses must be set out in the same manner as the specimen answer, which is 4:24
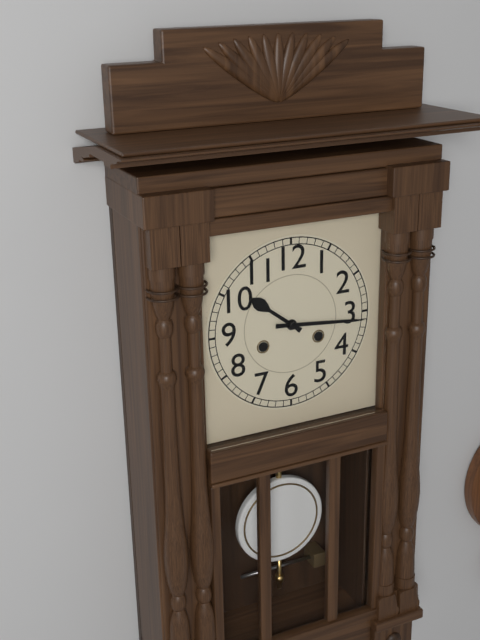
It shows 10:16
